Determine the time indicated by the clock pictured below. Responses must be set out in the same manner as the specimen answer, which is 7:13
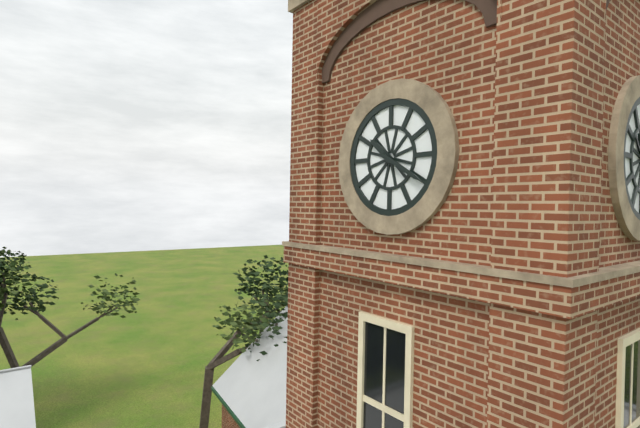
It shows 10:20
